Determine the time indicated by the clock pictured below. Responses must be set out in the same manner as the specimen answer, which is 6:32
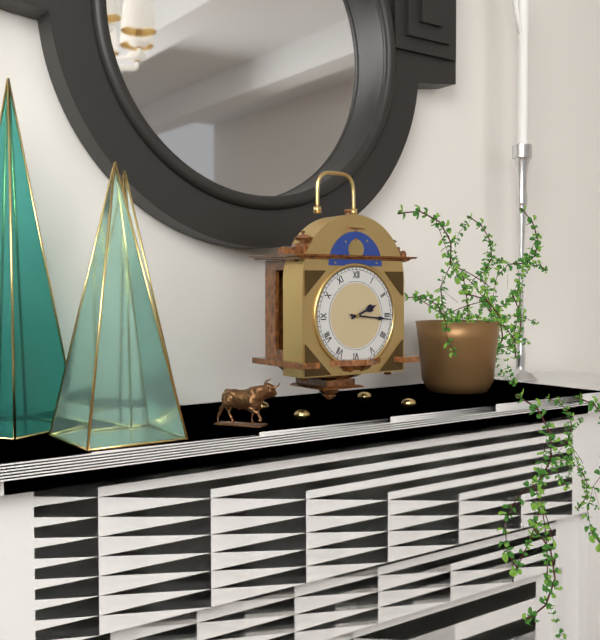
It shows 2:16
